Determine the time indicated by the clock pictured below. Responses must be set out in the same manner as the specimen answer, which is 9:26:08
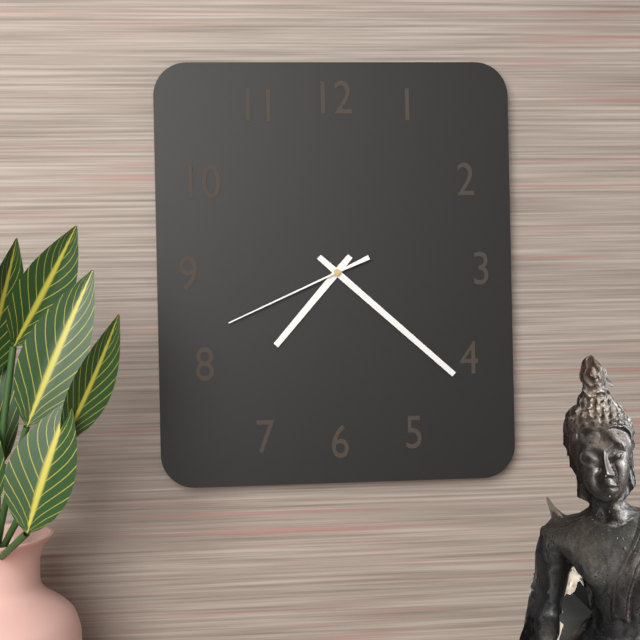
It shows 7:22:41
